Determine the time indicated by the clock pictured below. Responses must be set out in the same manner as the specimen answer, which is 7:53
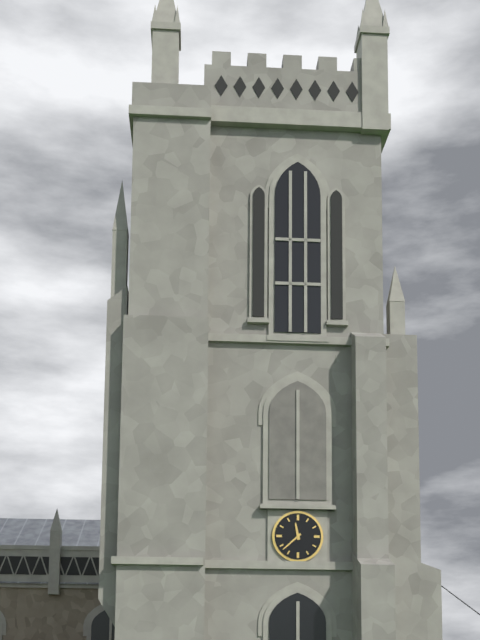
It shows 11:38
